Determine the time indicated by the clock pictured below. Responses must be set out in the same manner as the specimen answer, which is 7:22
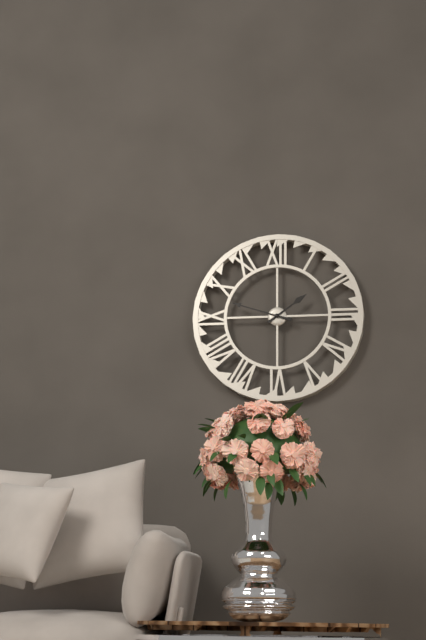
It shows 1:48
